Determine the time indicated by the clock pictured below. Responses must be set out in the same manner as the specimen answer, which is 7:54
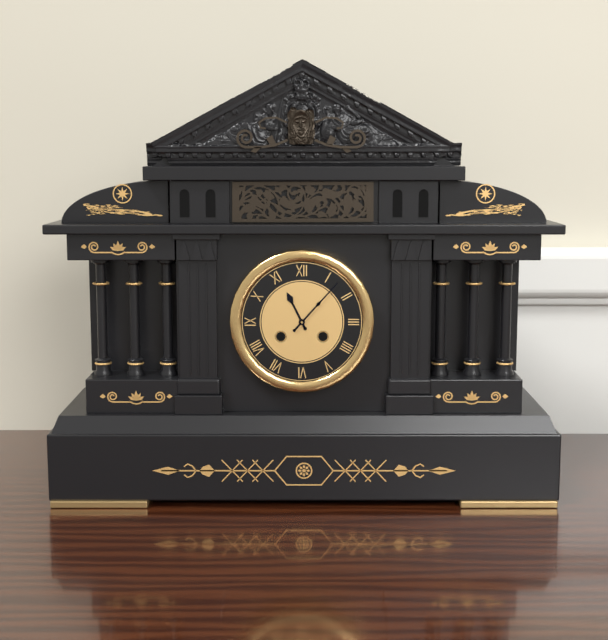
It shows 11:07
